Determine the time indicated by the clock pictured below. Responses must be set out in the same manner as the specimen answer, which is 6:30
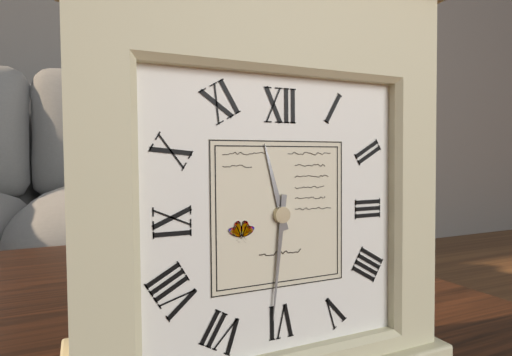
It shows 11:31
